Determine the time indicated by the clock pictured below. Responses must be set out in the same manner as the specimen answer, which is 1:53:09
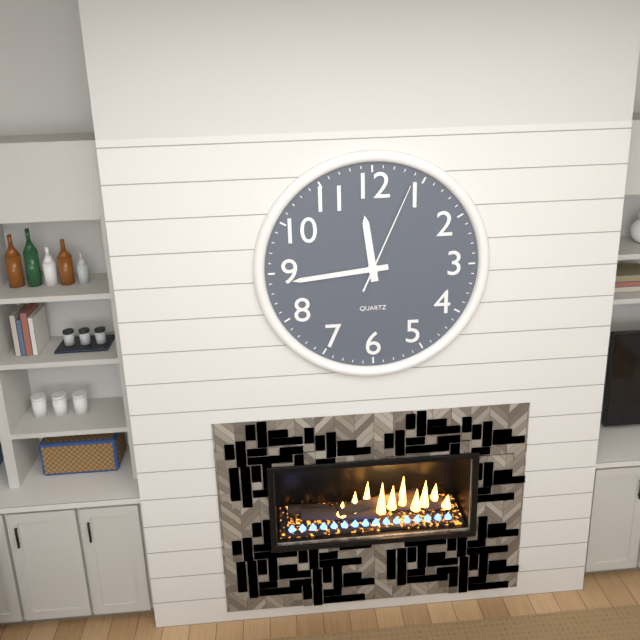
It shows 11:44:04
